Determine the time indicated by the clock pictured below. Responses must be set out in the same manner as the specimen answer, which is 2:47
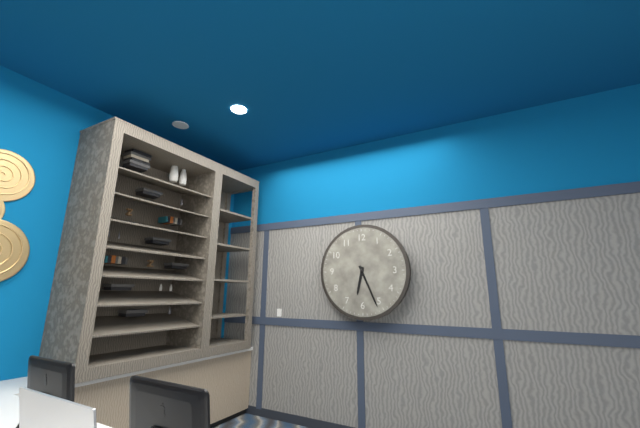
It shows 6:26
